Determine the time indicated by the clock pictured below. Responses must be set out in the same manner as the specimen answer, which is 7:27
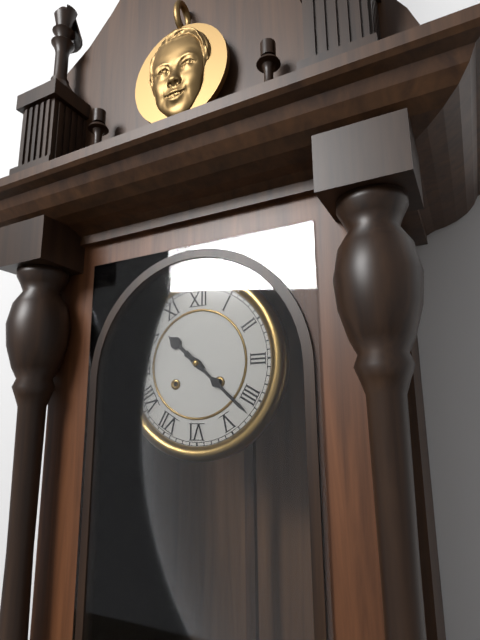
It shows 10:22
